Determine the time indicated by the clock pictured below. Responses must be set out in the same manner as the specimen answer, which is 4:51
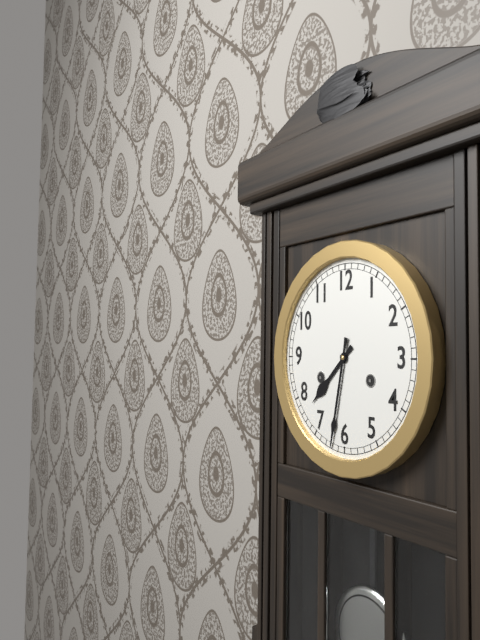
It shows 7:32
